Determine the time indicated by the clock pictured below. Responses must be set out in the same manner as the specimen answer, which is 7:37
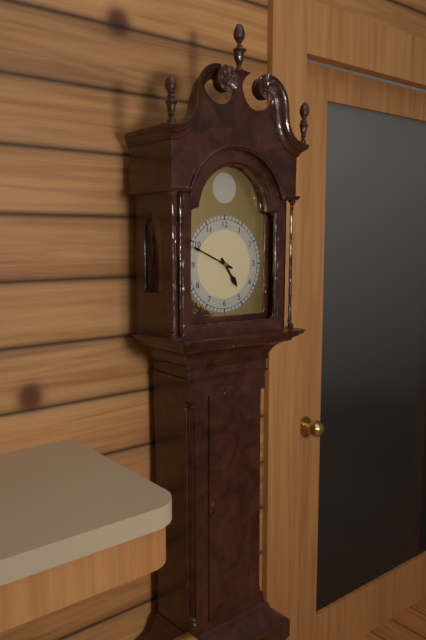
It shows 4:49
